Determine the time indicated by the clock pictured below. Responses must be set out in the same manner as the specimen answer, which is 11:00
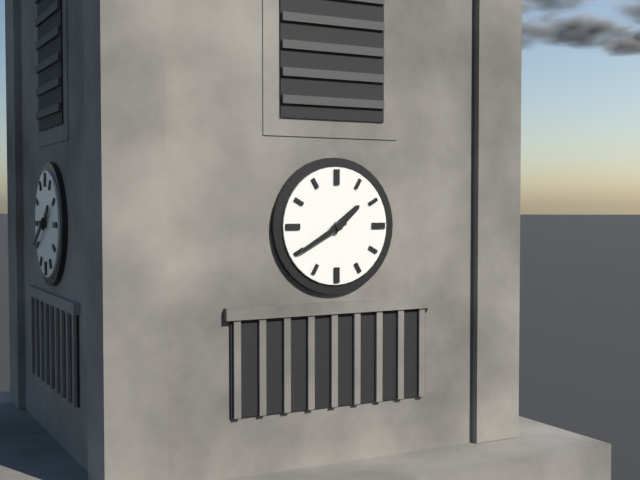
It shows 1:40
